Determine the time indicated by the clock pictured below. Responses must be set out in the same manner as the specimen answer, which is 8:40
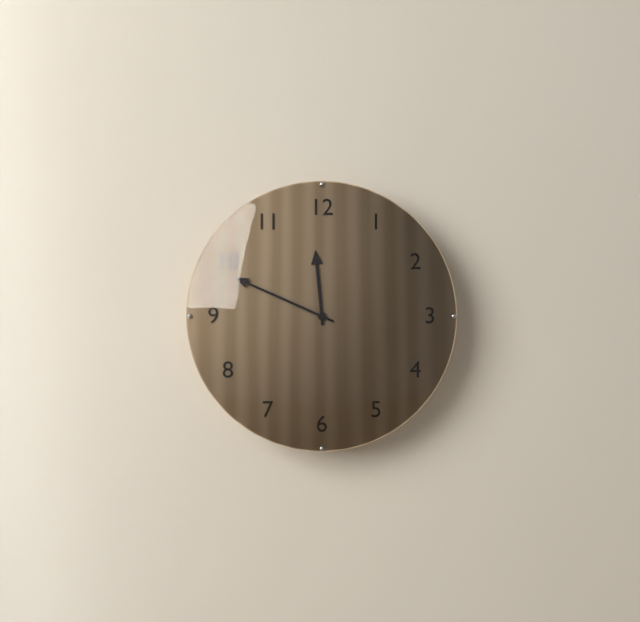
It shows 11:49
